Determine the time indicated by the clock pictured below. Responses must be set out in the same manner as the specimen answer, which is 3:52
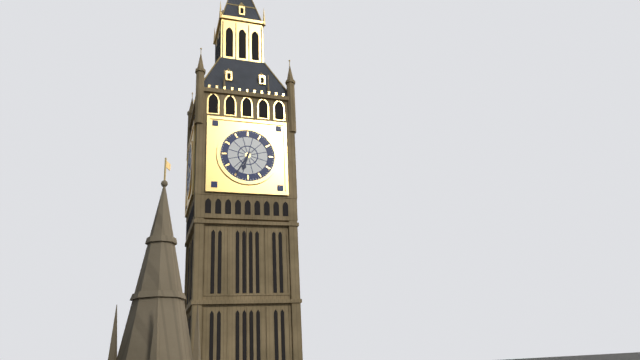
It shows 6:35
